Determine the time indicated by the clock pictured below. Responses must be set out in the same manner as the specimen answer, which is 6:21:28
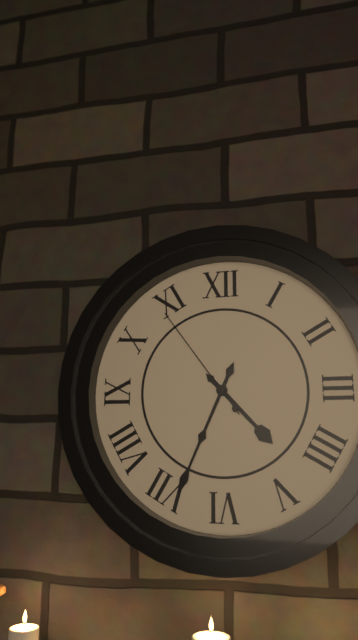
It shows 4:34:54
